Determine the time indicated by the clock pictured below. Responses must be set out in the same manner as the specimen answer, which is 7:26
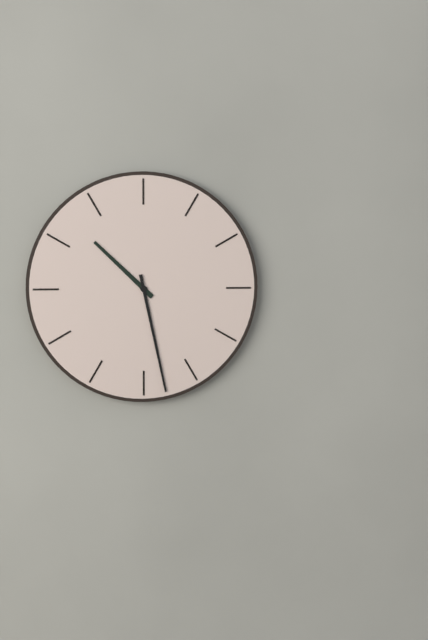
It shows 10:28
